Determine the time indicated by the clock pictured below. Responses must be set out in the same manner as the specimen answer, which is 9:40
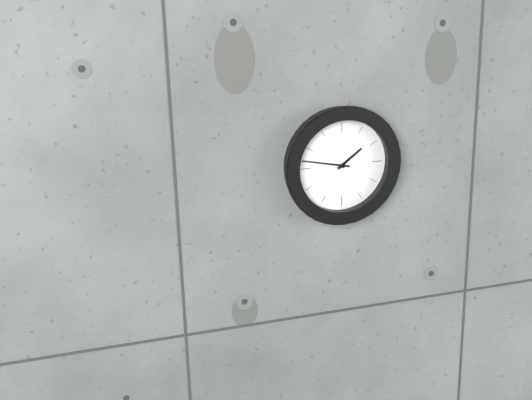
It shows 1:47
